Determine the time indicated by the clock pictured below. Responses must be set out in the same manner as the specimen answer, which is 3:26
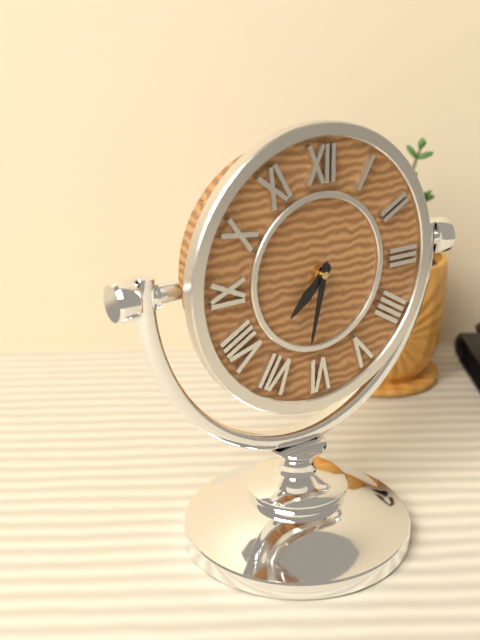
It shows 7:32
